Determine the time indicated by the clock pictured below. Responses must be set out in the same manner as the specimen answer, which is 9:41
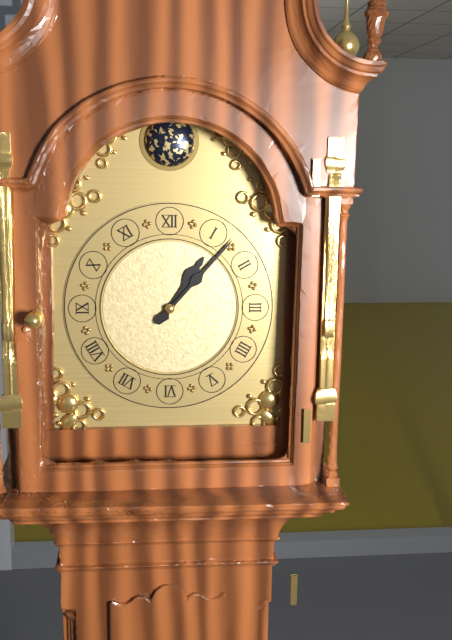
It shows 1:07
